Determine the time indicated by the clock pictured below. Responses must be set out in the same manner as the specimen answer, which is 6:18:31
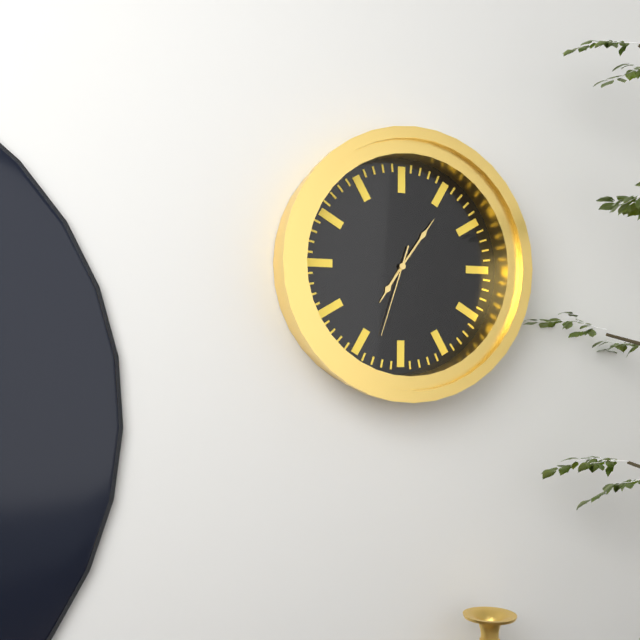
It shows 7:06:33
